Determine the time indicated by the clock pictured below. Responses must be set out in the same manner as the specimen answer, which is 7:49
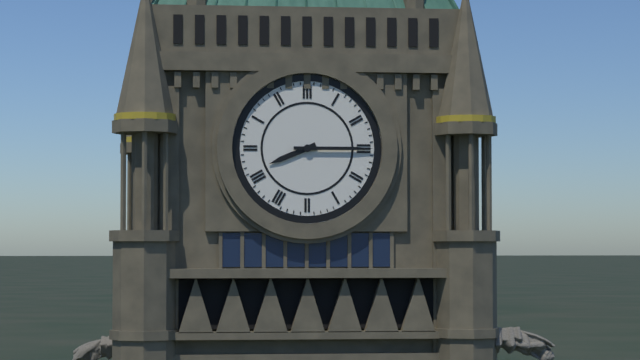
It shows 8:15
